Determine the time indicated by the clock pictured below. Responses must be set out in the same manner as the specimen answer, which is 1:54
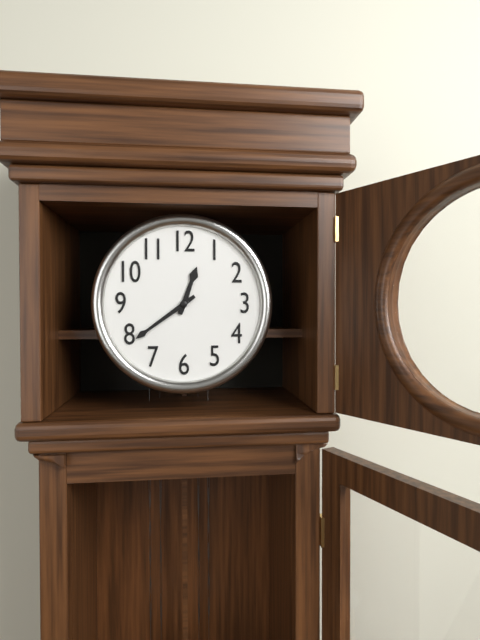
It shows 12:39
